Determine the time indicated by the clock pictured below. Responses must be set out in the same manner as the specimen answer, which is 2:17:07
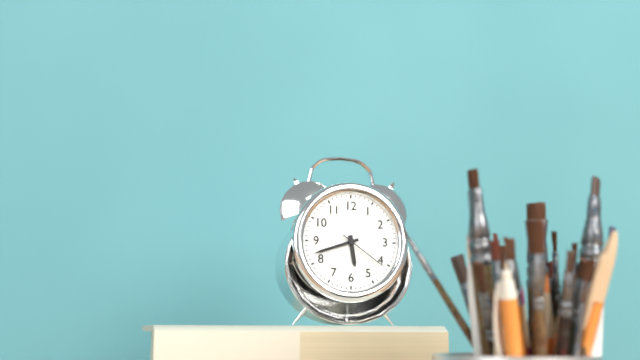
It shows 5:42:21
